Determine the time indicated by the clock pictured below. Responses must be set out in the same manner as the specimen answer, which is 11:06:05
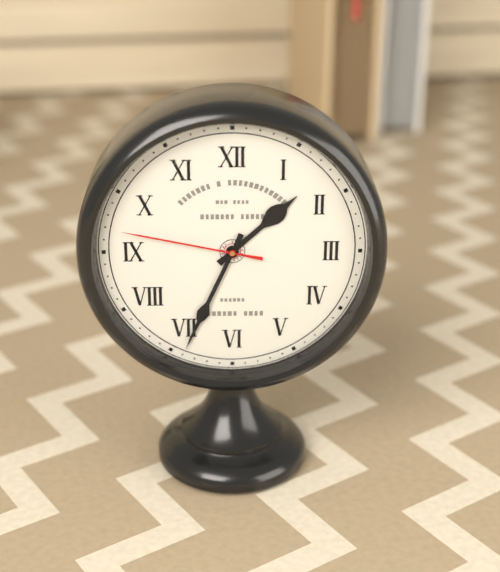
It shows 1:34:47
